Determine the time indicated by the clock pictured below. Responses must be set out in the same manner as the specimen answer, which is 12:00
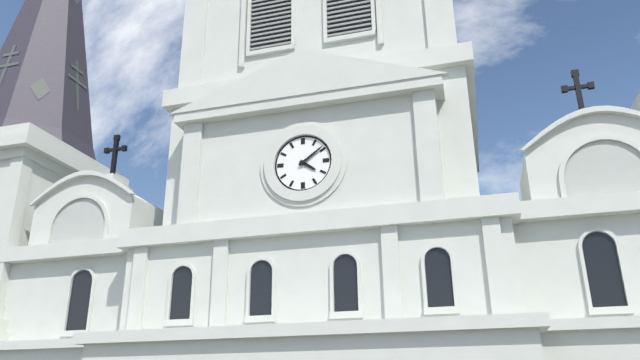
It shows 4:09
